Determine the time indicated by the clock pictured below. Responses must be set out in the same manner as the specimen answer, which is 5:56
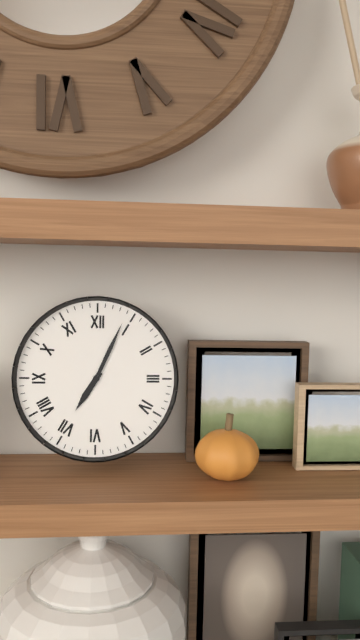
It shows 7:04
